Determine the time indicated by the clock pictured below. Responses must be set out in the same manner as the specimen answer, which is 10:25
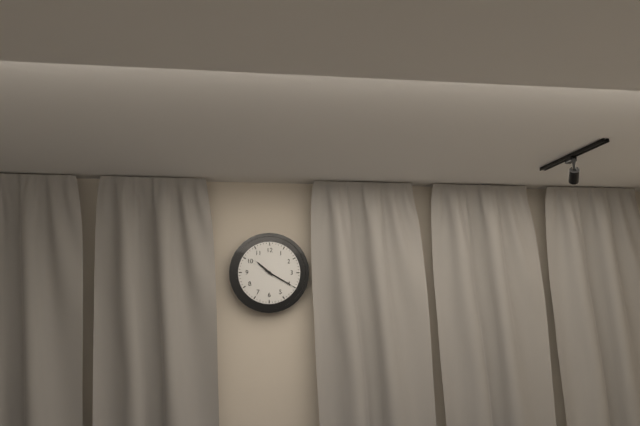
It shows 10:20
